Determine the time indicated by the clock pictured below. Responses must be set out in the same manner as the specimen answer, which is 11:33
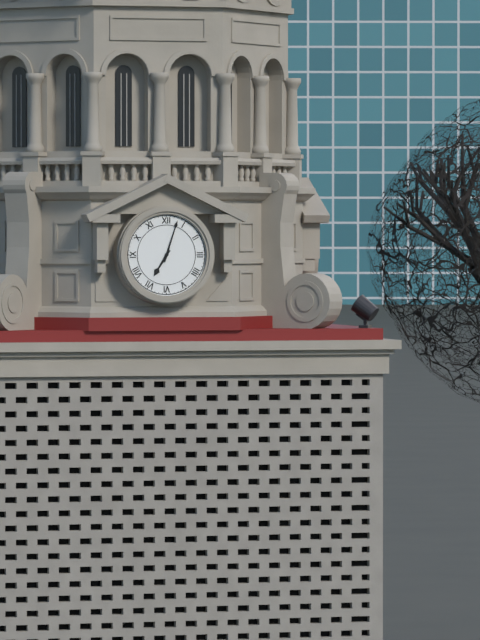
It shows 7:03
